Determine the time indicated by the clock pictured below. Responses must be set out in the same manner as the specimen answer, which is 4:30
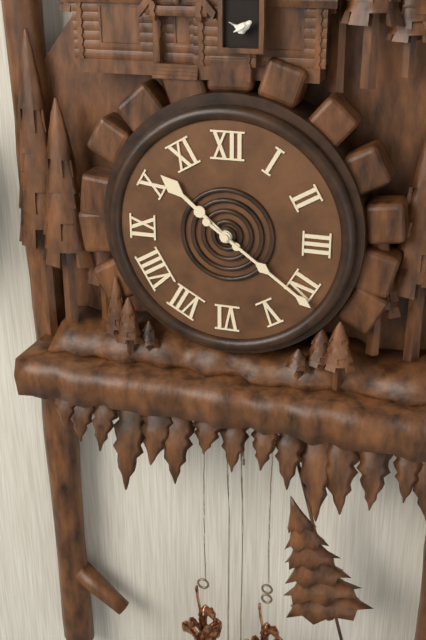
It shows 10:21
